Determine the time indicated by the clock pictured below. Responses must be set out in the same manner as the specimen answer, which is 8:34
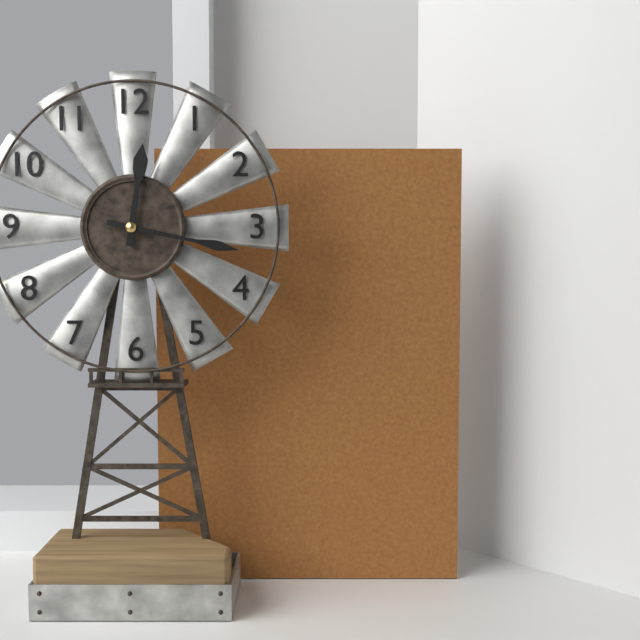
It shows 12:17
